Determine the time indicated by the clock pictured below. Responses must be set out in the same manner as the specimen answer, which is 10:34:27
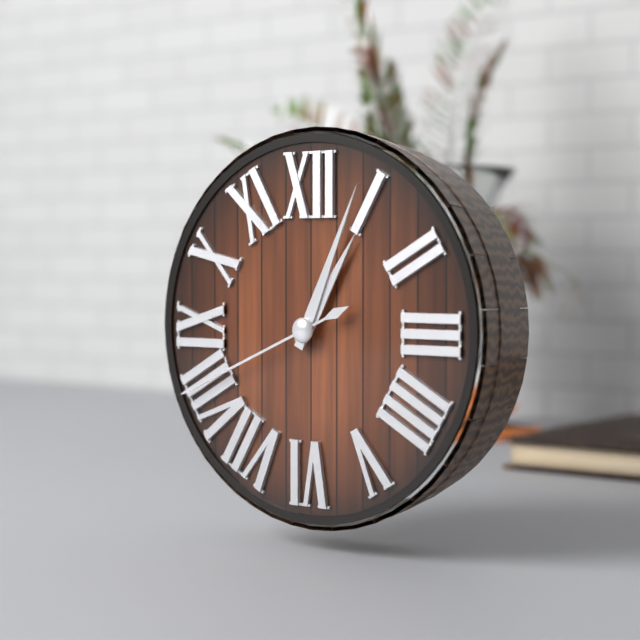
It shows 1:04:41
